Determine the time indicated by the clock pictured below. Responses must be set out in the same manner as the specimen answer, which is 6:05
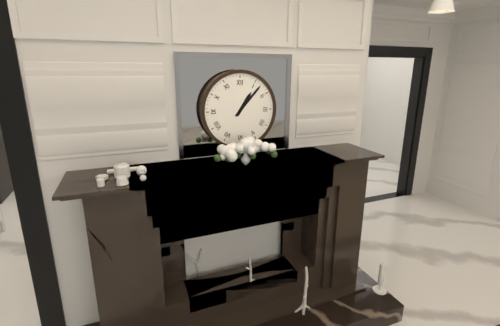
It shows 1:07
